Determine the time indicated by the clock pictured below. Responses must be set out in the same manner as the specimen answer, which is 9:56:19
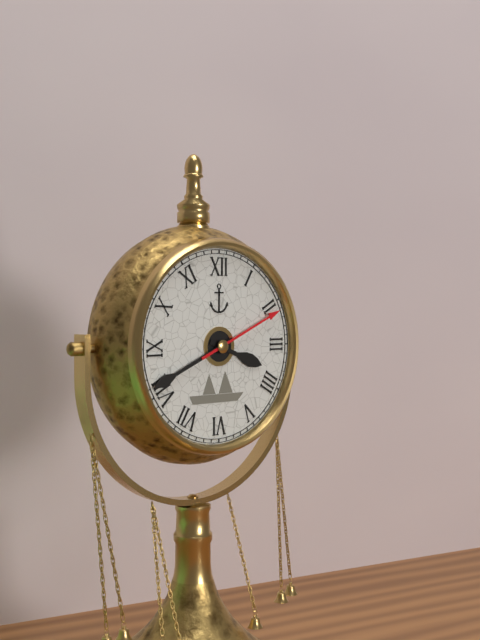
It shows 3:41:11
